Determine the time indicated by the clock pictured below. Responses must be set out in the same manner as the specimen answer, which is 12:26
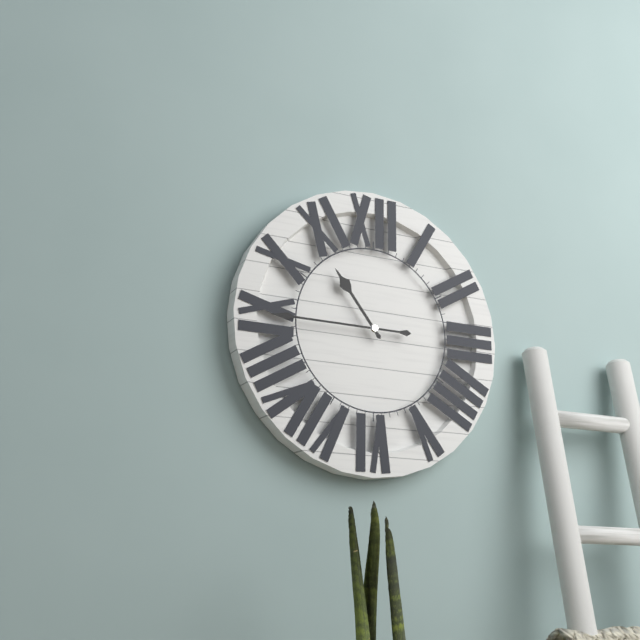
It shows 10:45
